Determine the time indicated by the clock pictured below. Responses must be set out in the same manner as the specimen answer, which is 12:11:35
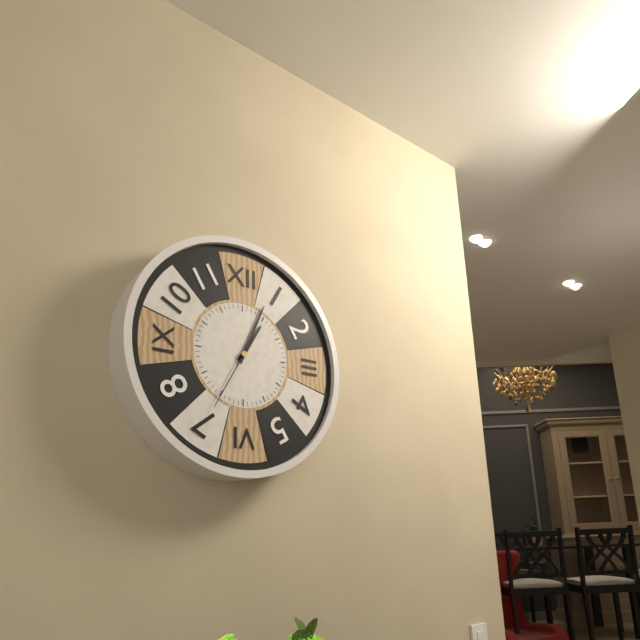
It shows 1:04:35
